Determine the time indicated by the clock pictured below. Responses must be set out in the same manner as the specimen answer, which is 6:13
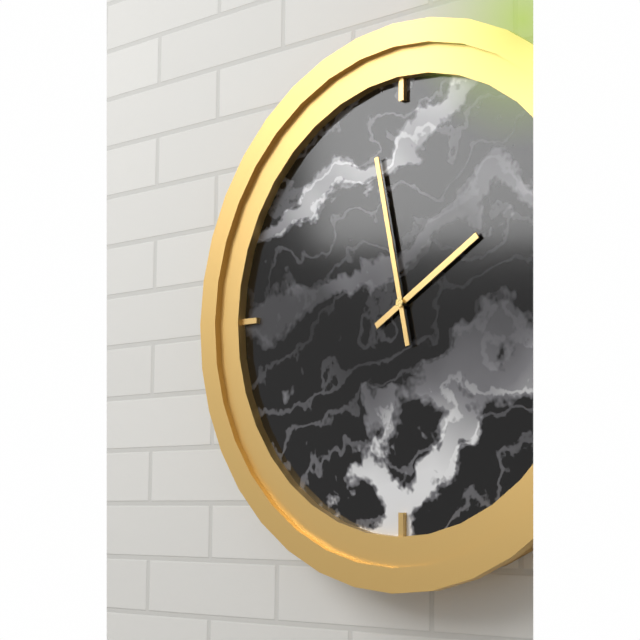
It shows 1:58
